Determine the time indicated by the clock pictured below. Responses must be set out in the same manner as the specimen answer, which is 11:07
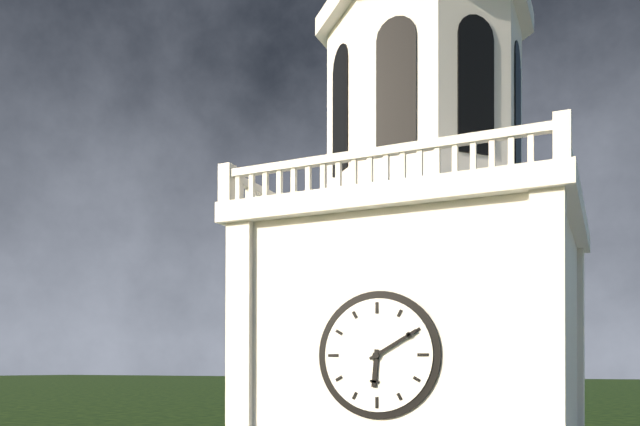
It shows 6:10
